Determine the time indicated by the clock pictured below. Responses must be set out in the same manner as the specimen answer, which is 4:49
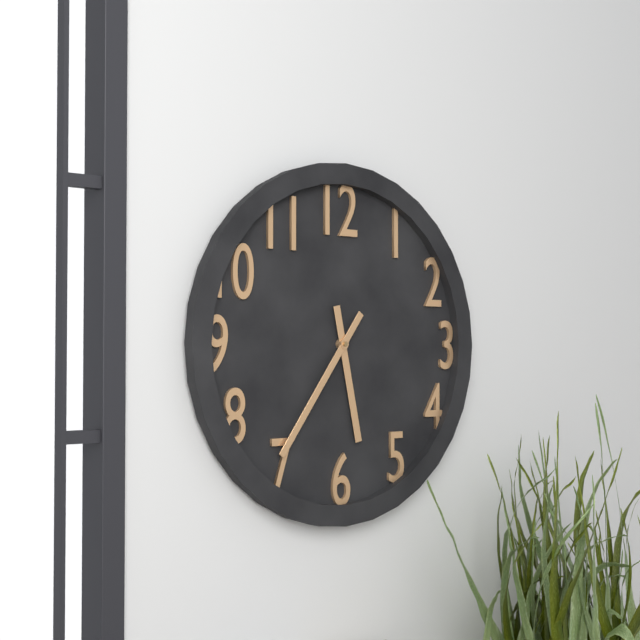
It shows 5:36
